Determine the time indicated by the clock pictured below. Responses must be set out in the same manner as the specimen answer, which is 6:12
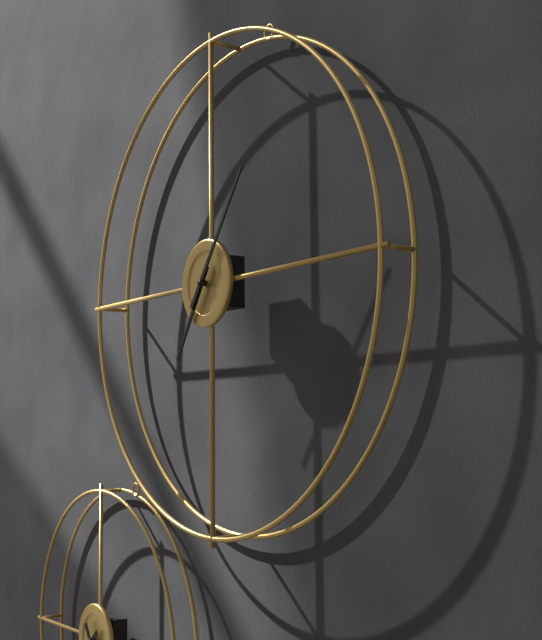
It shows 7:06
